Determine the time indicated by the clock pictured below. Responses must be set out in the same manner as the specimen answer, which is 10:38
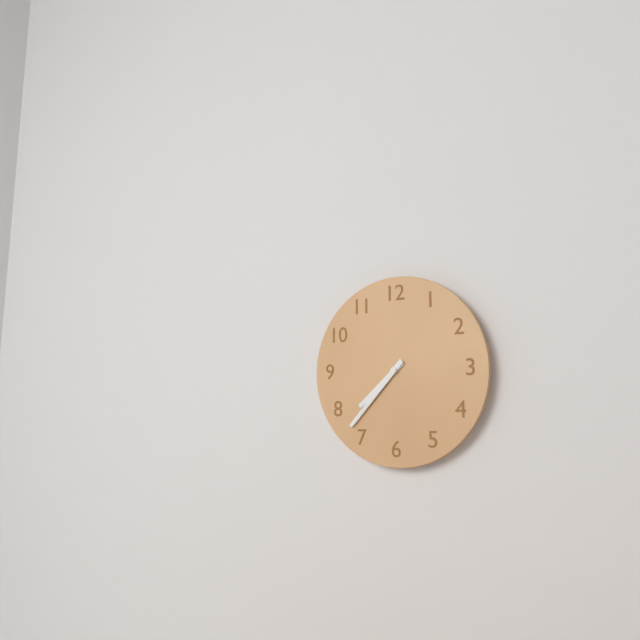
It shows 7:37
